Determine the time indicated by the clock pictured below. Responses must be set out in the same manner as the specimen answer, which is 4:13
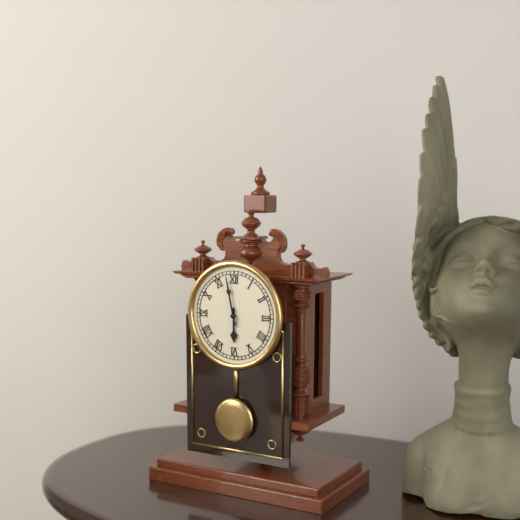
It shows 5:58
